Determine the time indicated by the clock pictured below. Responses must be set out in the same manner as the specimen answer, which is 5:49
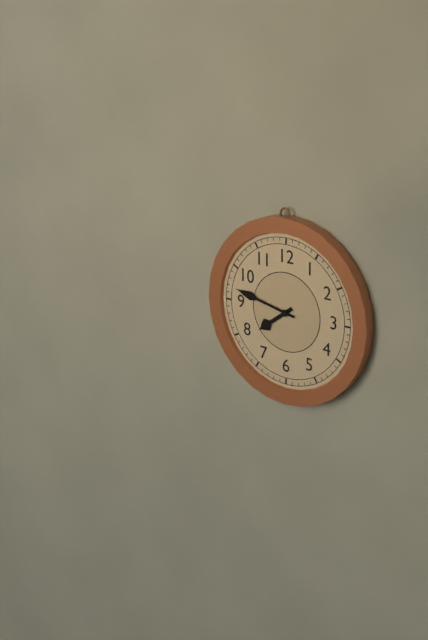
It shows 7:47
